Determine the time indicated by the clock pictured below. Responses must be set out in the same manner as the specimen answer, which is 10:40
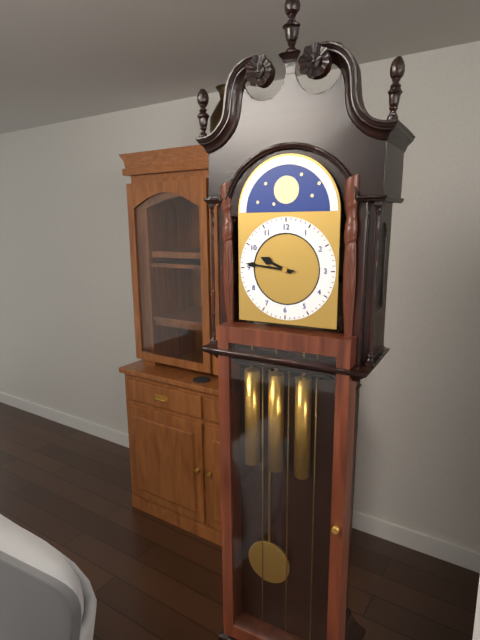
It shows 9:46
